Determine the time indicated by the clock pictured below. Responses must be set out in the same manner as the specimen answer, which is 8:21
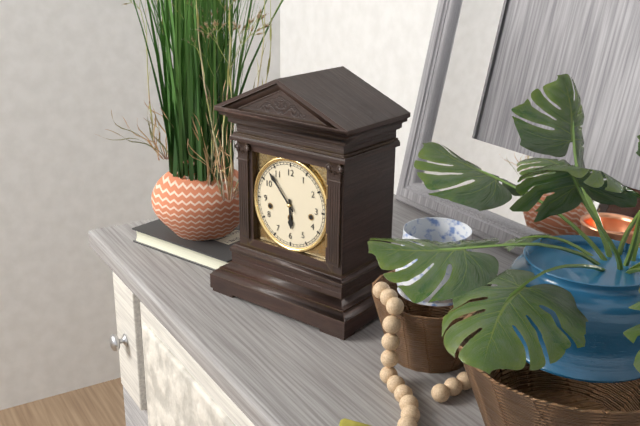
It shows 5:53
